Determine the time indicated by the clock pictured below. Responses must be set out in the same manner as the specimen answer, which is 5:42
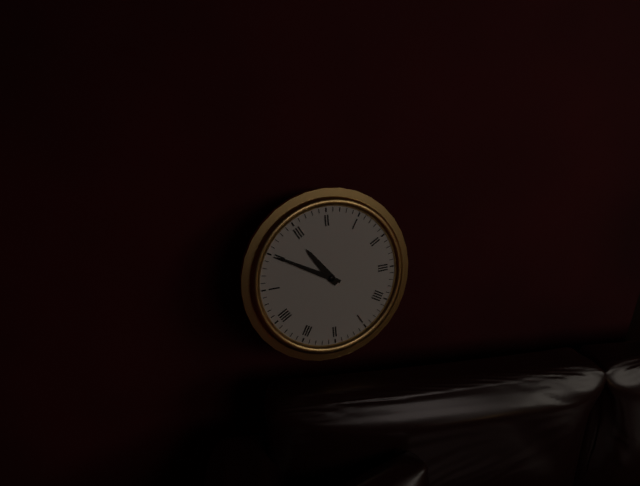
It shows 10:50
